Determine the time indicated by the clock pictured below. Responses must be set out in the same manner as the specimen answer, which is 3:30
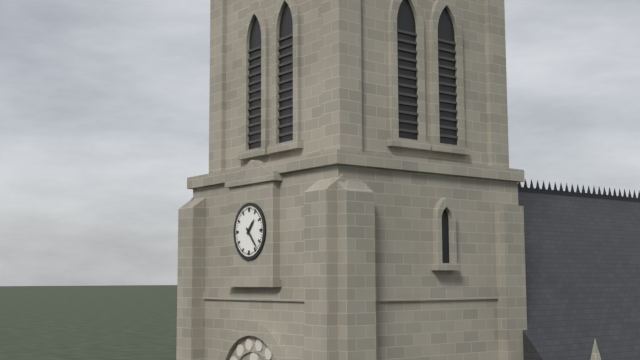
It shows 1:23
